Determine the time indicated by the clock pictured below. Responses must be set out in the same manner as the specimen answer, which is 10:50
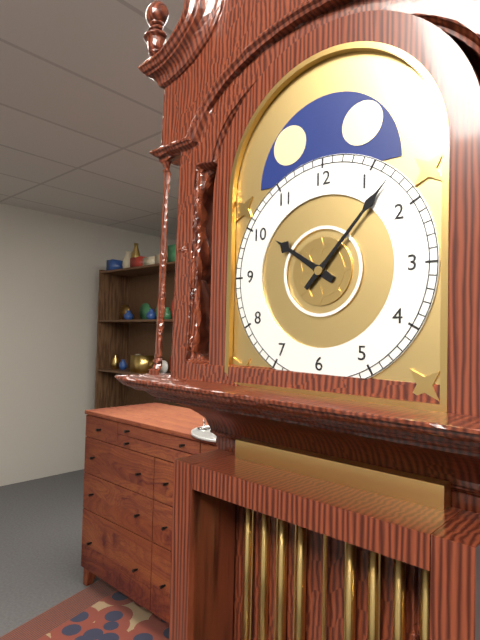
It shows 10:07
